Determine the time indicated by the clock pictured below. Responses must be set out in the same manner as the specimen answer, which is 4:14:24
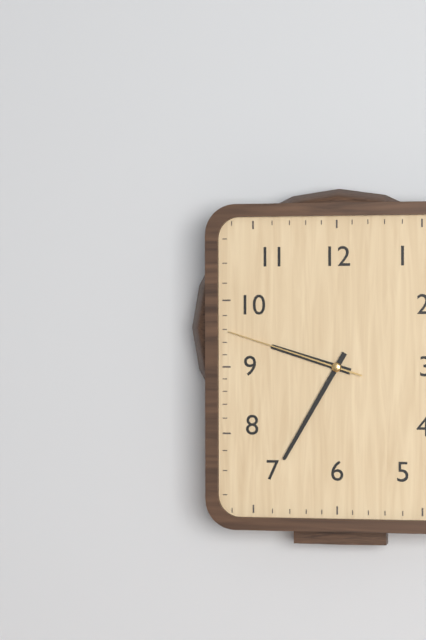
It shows 9:35:48
